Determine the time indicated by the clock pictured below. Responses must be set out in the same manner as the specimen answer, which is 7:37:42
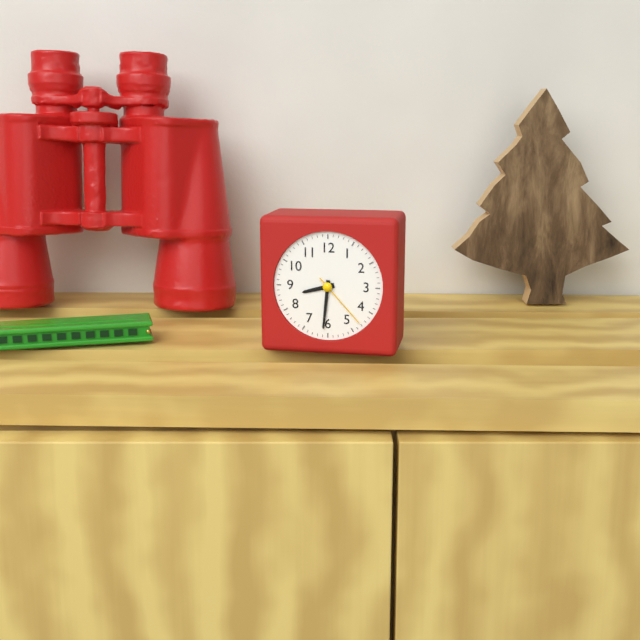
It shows 8:31:23
